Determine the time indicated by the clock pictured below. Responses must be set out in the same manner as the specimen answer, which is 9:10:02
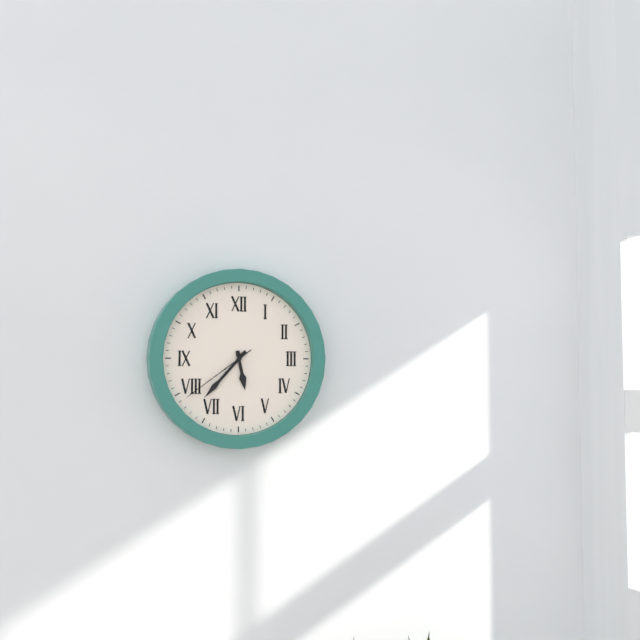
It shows 5:37:39
